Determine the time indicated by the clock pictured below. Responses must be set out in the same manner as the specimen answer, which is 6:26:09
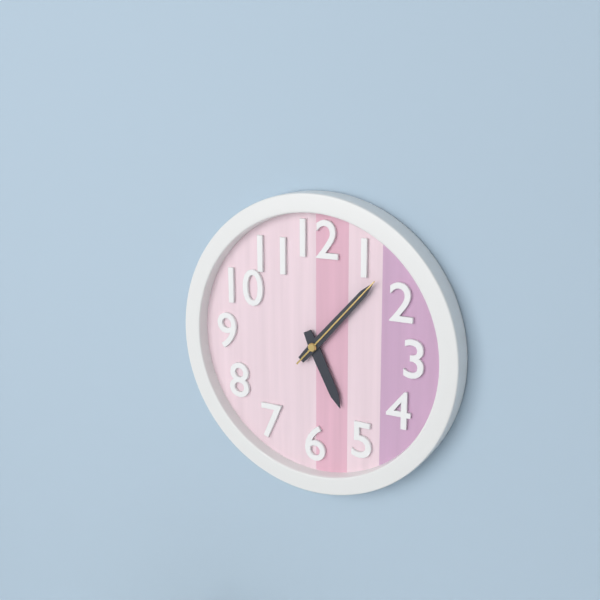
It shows 5:07:07
